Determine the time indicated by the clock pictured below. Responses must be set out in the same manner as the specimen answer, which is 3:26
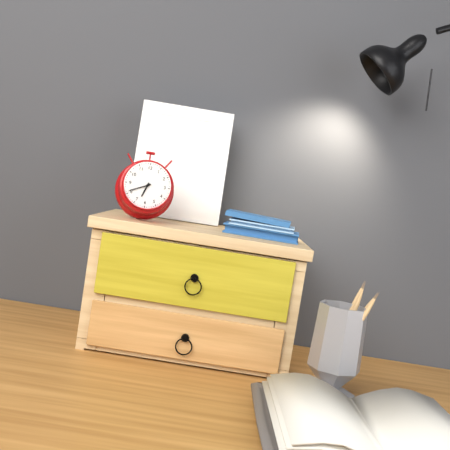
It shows 6:41
